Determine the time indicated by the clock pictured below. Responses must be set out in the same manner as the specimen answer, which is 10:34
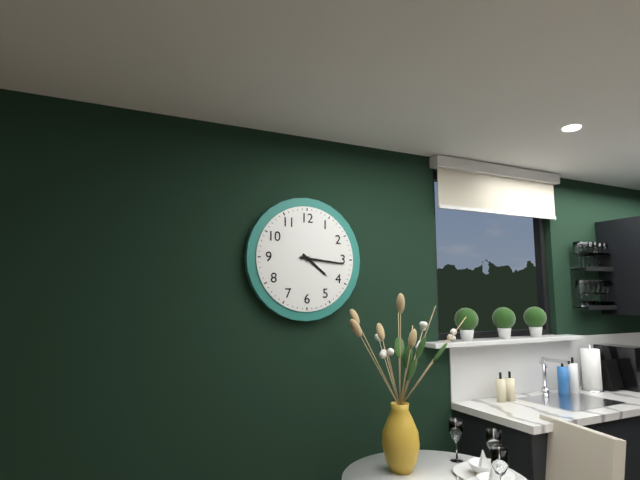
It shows 4:16
